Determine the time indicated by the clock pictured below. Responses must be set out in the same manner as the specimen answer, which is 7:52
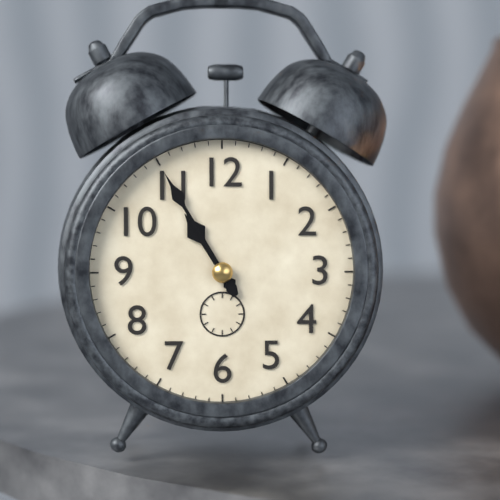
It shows 10:55
